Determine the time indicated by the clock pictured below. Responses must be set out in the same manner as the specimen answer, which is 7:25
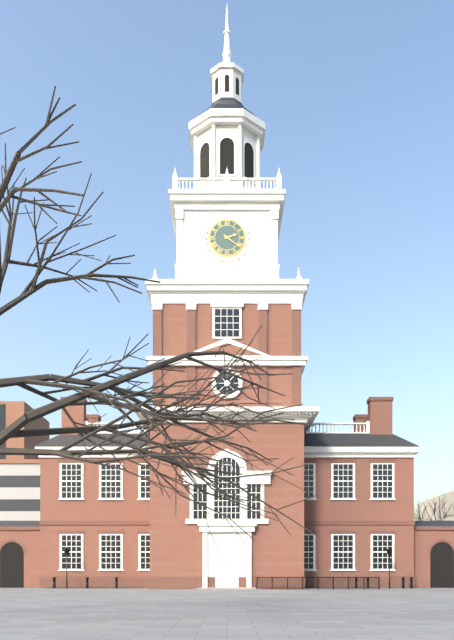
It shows 2:21
